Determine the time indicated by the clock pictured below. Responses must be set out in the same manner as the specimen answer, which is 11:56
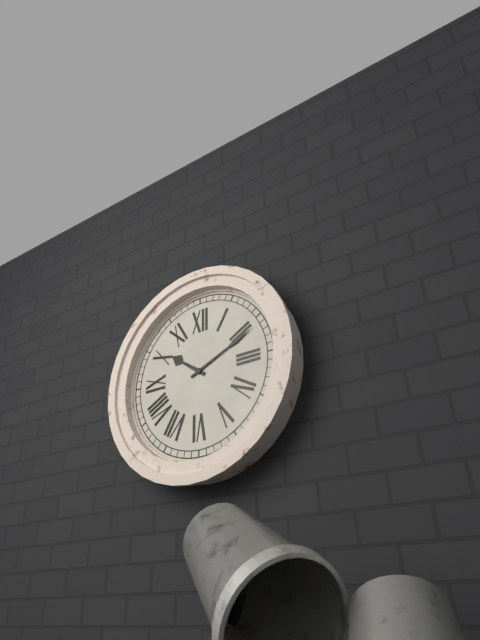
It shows 10:11
